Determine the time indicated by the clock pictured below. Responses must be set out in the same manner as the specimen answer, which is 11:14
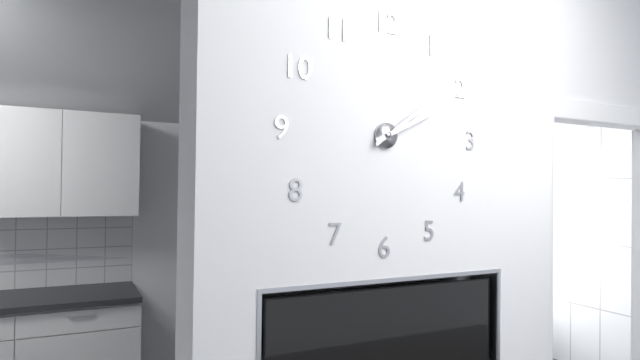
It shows 2:09
